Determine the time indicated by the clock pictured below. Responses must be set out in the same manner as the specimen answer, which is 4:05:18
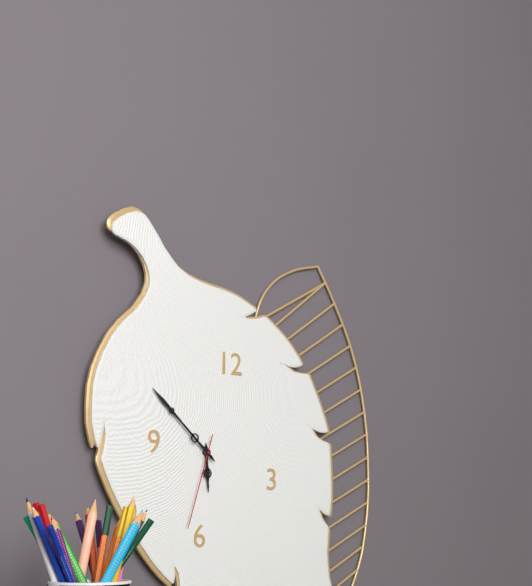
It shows 5:52:33
